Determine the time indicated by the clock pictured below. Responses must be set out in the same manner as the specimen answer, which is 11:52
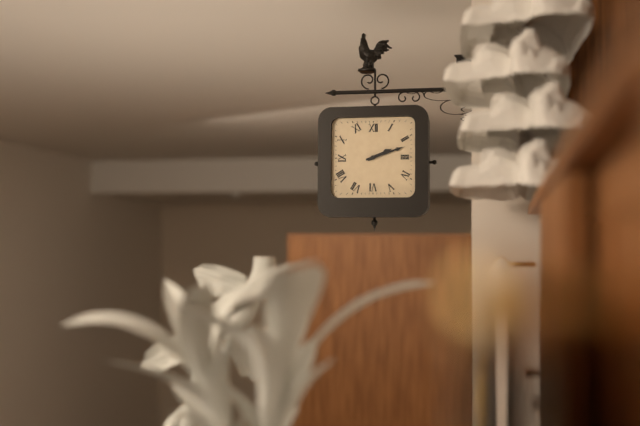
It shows 2:12
